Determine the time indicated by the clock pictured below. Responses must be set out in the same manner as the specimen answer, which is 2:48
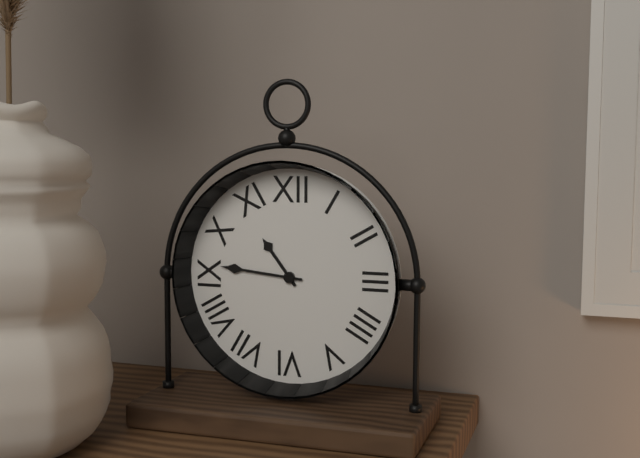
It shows 10:46
